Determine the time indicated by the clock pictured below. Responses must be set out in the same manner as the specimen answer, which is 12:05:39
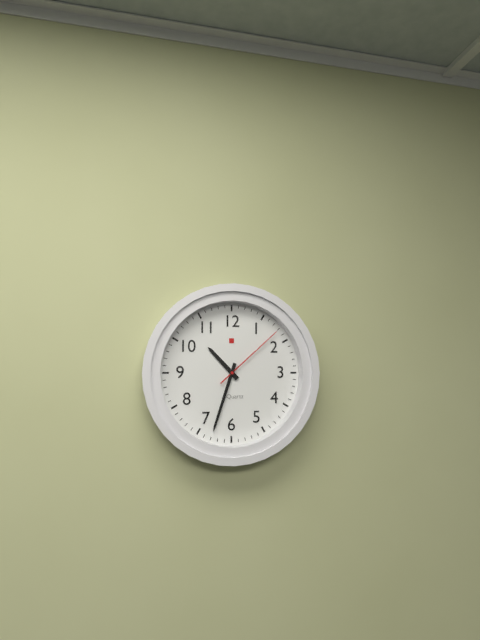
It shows 10:33:08
